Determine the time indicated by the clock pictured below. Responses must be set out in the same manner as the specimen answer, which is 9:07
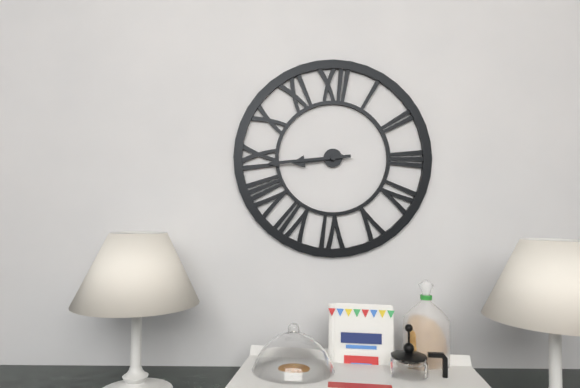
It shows 8:44
